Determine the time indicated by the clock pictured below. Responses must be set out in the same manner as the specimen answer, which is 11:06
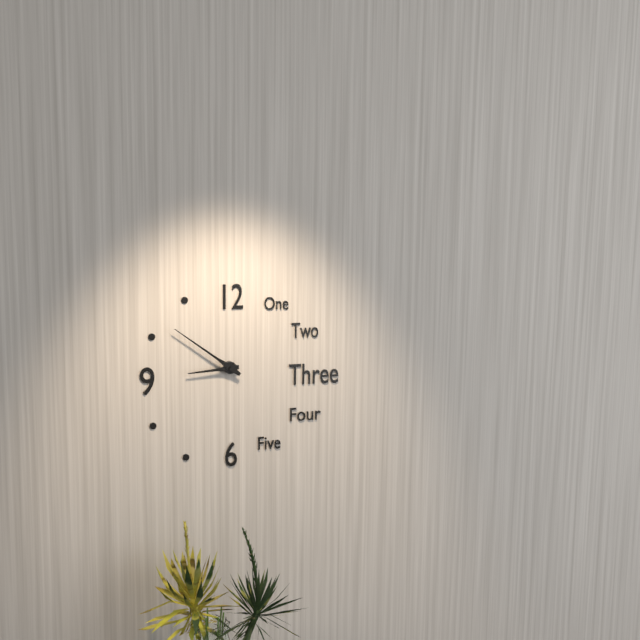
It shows 8:51
